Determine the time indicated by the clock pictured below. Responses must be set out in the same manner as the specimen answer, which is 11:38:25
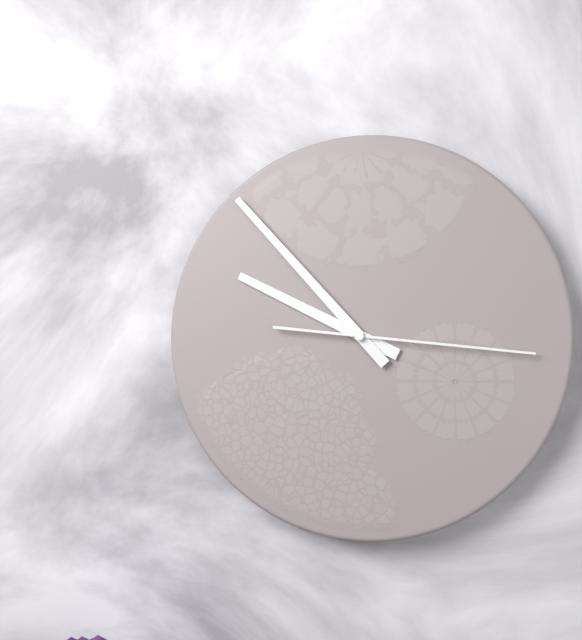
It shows 9:53:16
